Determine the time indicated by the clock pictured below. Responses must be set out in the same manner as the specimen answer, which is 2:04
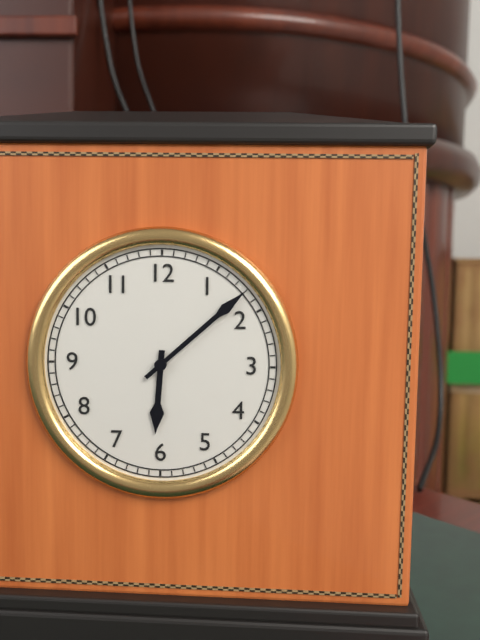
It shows 6:08
